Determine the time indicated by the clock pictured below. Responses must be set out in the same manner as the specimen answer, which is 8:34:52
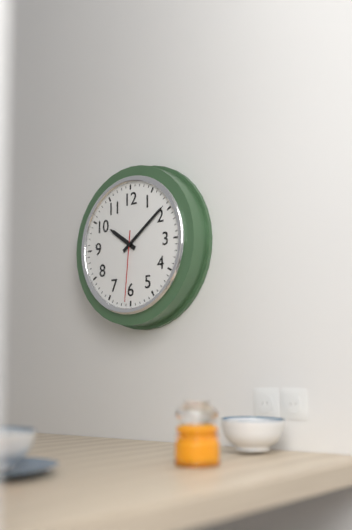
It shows 10:09:31
